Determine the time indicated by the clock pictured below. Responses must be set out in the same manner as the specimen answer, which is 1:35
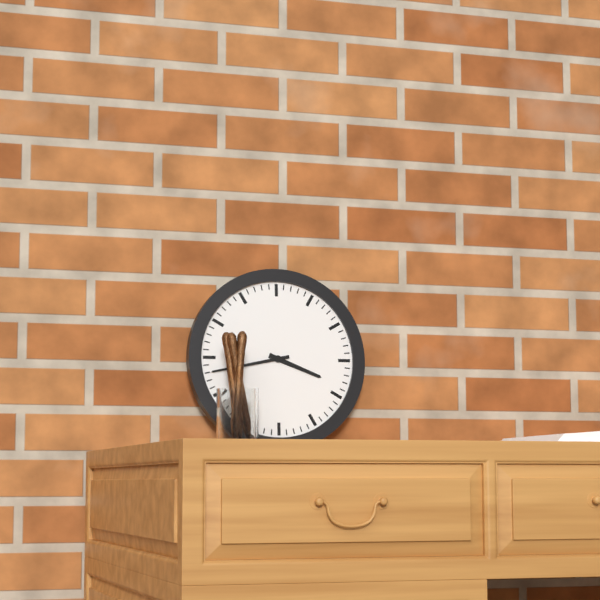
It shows 3:43
